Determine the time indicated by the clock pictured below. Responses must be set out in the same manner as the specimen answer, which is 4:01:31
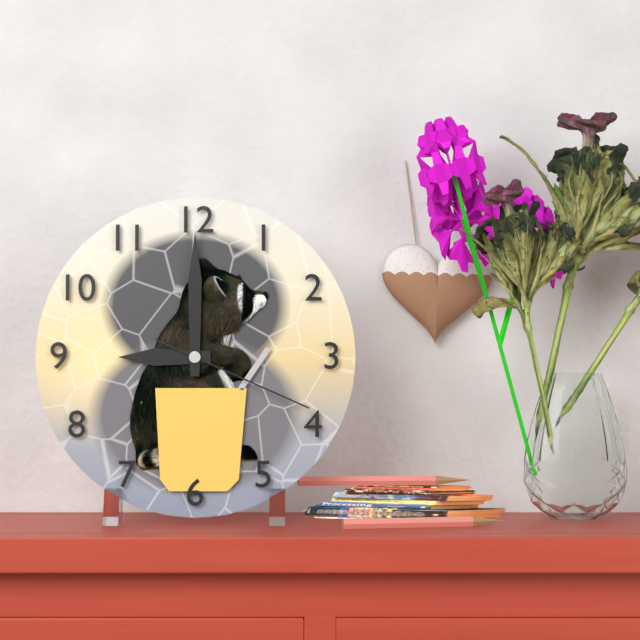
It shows 9:00:19
